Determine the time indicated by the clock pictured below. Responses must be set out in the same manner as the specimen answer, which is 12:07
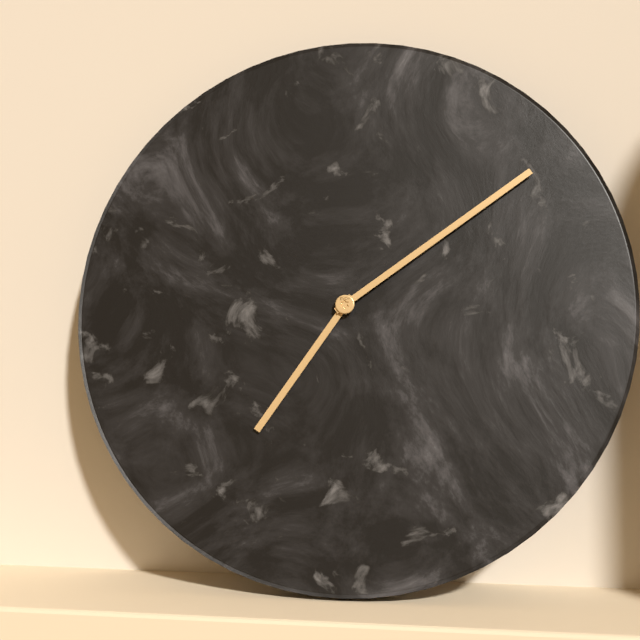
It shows 7:09
